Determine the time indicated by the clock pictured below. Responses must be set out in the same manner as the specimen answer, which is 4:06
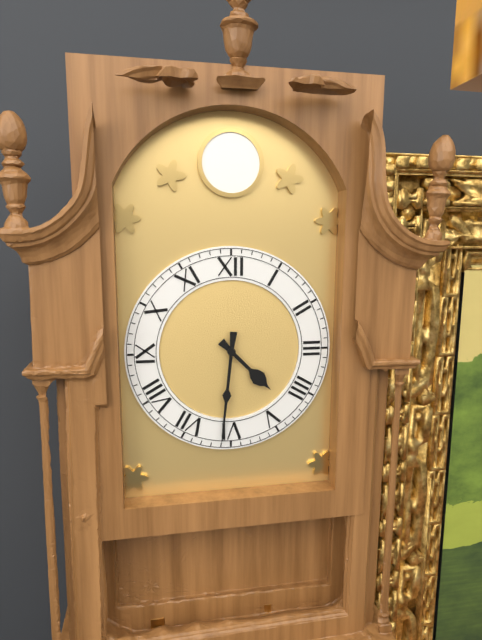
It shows 4:31
